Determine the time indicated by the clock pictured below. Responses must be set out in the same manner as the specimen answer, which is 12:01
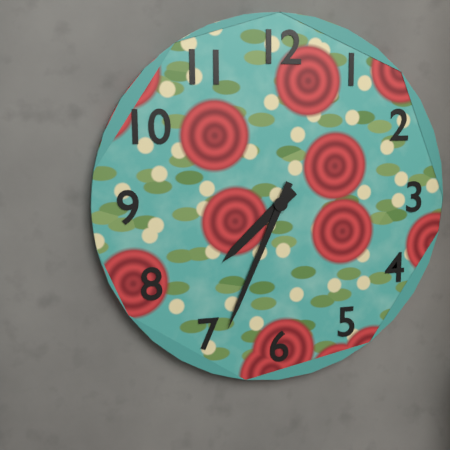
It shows 7:34
